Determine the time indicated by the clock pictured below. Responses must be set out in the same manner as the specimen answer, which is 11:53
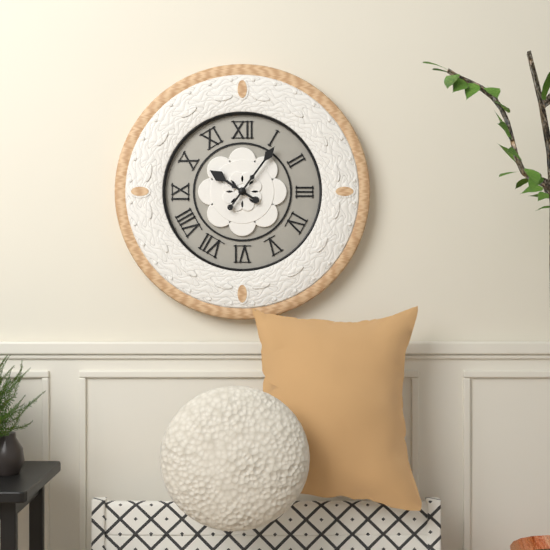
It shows 10:06
